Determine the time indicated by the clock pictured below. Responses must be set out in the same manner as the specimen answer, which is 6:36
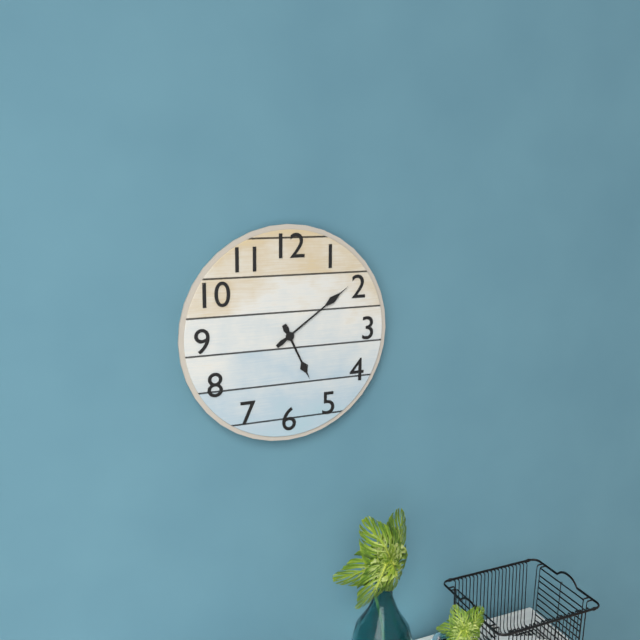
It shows 5:09
